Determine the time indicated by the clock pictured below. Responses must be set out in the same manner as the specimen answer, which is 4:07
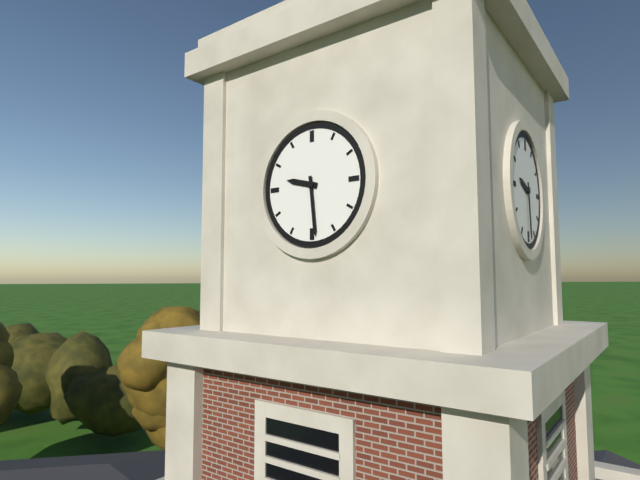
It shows 9:29
